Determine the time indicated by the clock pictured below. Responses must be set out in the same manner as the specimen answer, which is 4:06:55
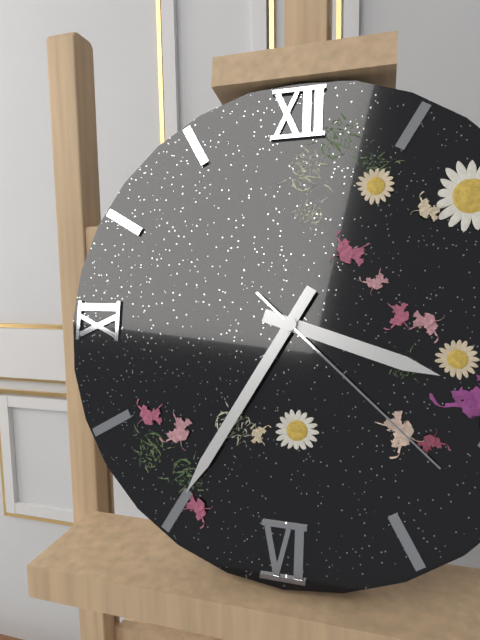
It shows 3:35:22
